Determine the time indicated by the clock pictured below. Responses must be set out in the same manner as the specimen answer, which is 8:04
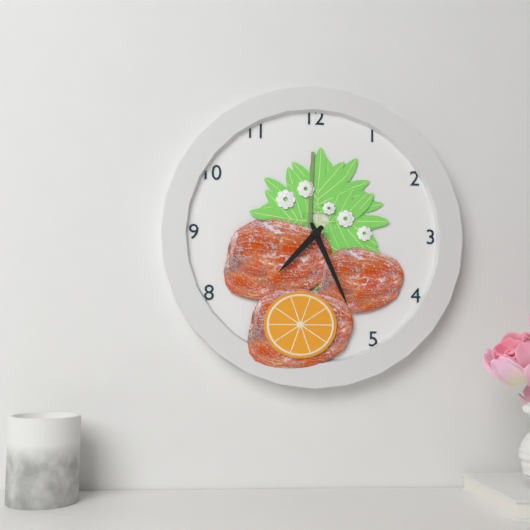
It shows 7:26
